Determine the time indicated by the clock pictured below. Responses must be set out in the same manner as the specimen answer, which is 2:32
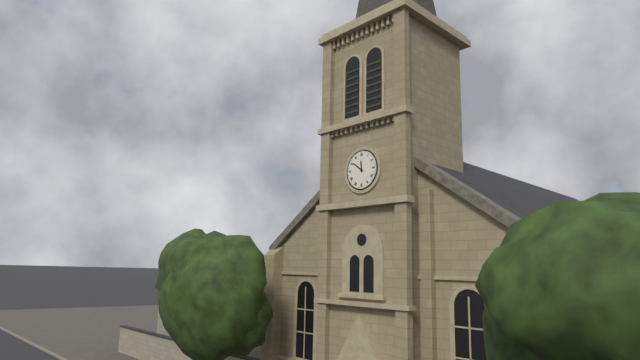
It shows 11:51
